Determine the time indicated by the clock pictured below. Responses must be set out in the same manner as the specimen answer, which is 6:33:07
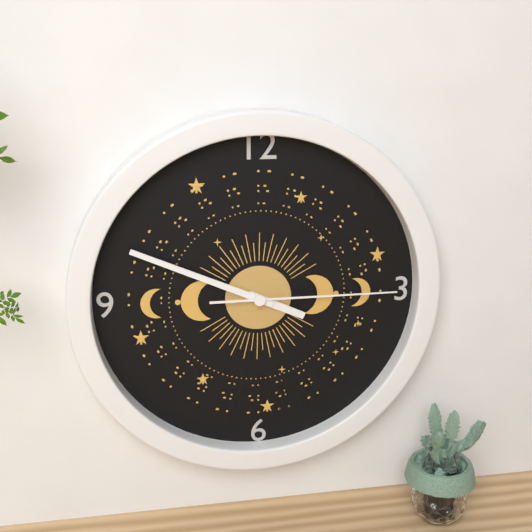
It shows 3:49:15
